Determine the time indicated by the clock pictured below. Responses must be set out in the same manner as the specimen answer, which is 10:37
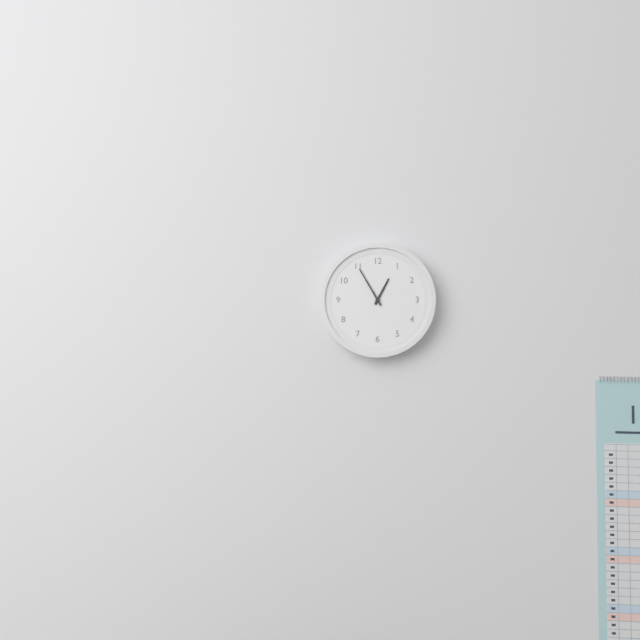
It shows 12:55
